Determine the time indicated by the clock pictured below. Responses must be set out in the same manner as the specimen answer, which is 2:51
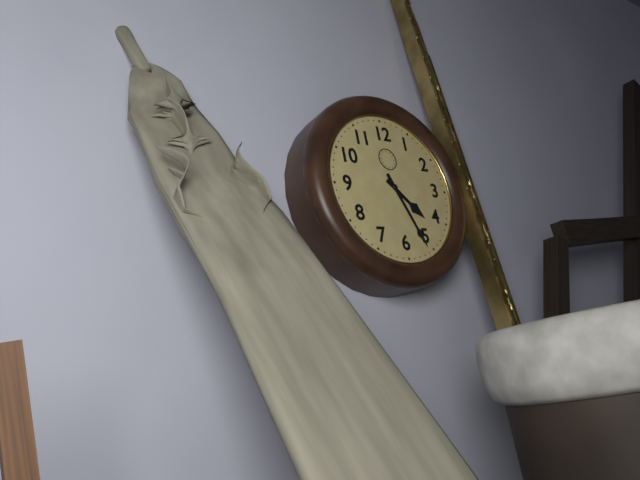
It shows 4:26
